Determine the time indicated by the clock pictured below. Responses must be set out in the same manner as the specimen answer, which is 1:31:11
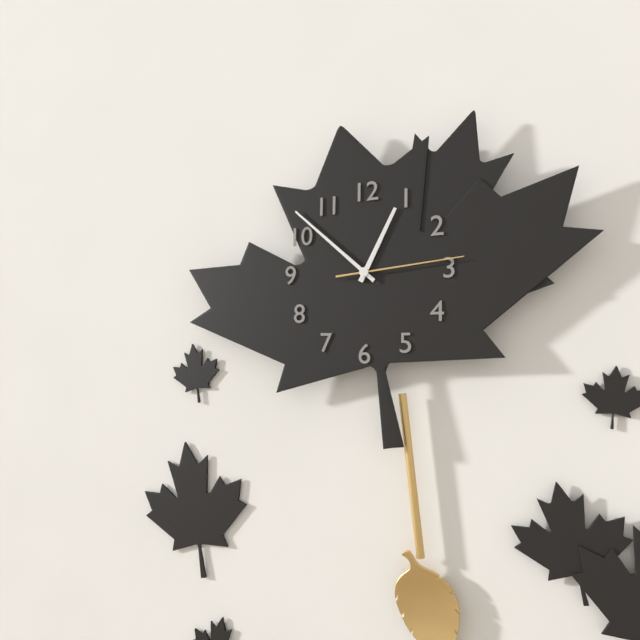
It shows 12:52:14
